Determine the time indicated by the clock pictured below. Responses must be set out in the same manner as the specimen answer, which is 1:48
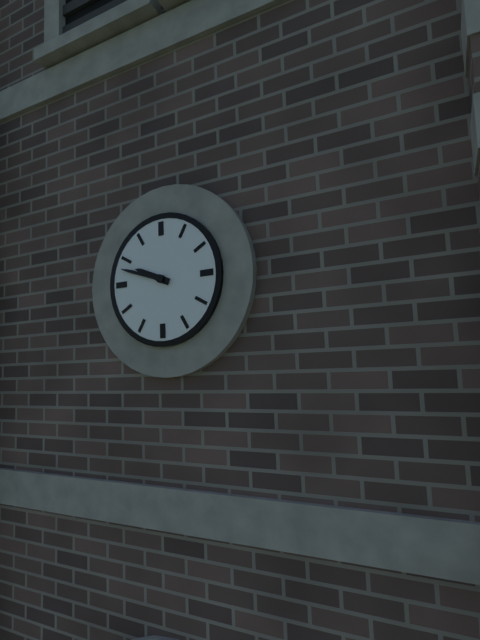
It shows 9:48
